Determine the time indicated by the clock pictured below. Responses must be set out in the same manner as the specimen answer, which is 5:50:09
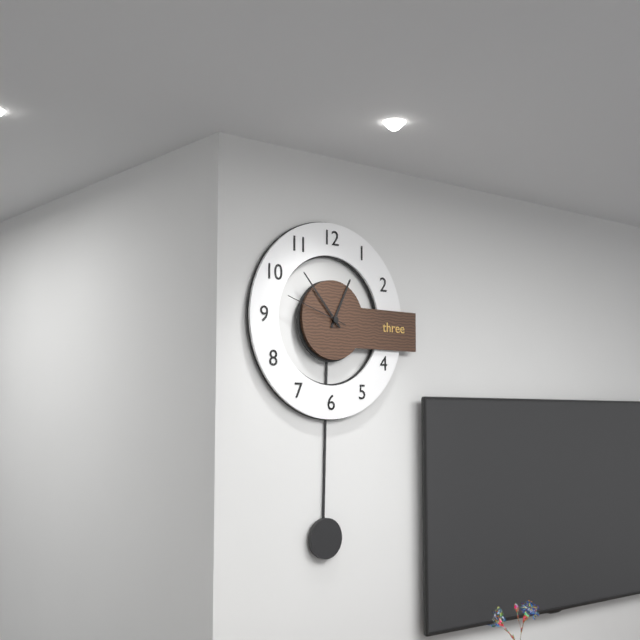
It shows 12:53:48
